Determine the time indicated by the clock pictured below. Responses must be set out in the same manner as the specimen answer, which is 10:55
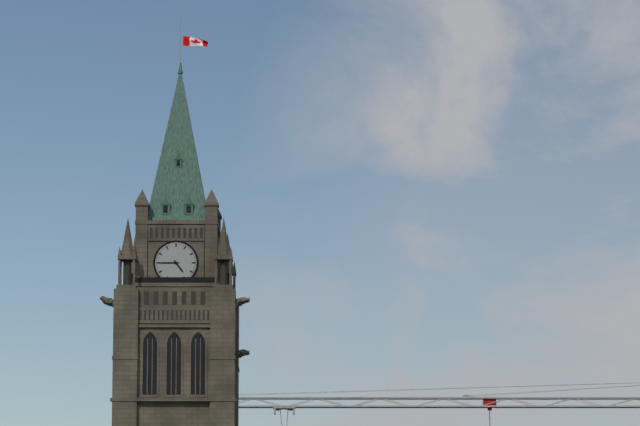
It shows 4:45
